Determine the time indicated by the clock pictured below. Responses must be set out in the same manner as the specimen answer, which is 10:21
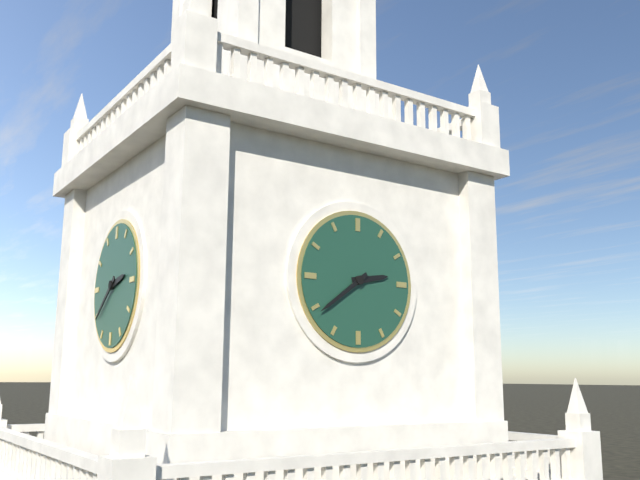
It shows 2:39
